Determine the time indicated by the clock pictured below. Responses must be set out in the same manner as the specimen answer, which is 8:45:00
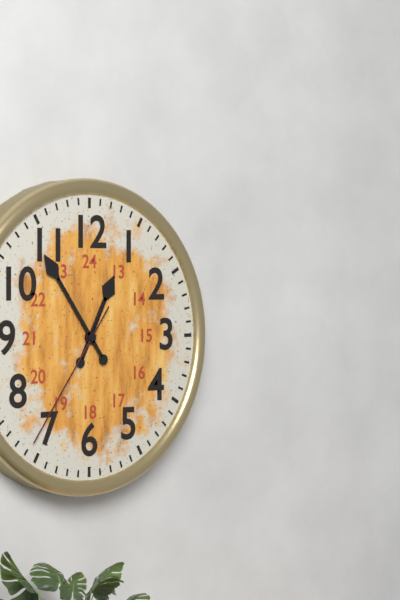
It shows 12:54:36
